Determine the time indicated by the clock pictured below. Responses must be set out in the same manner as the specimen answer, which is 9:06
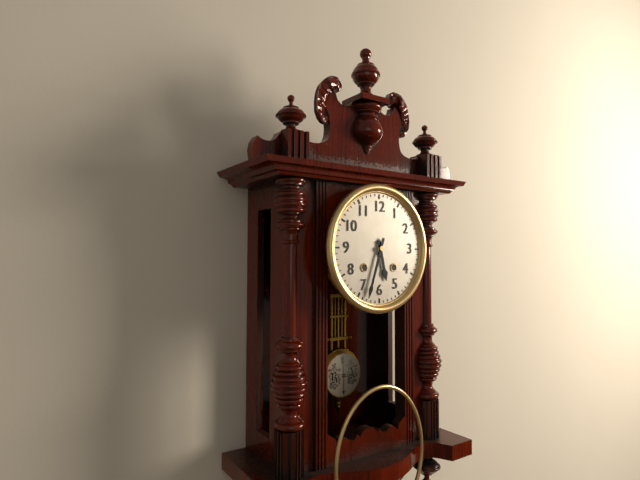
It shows 5:33
